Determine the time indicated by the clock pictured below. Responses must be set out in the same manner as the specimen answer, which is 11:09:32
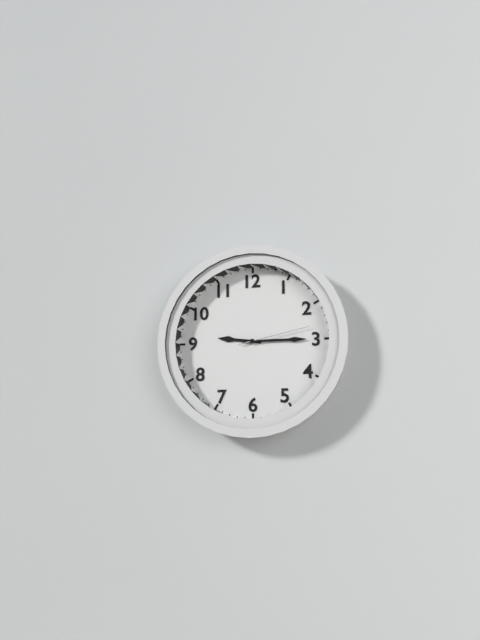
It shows 9:15:13
